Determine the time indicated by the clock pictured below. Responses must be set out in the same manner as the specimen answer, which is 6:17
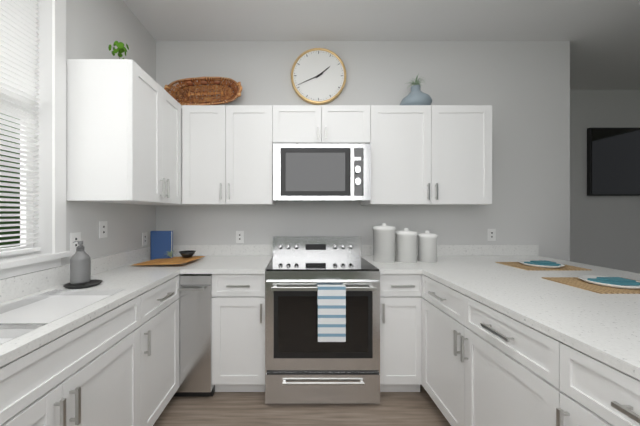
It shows 1:41
